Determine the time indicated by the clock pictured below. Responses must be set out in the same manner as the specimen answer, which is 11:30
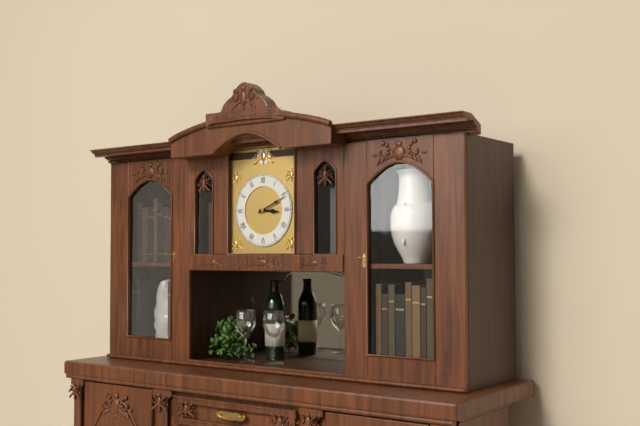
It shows 3:11
